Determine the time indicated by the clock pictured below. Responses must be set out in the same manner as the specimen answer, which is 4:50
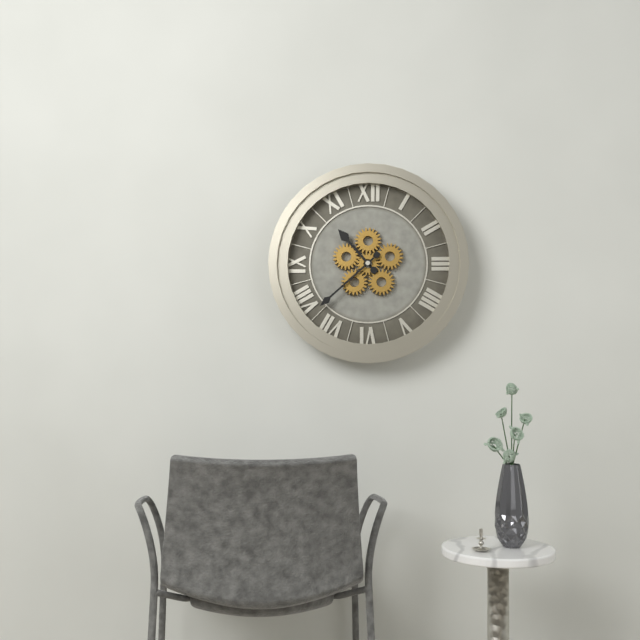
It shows 10:38
